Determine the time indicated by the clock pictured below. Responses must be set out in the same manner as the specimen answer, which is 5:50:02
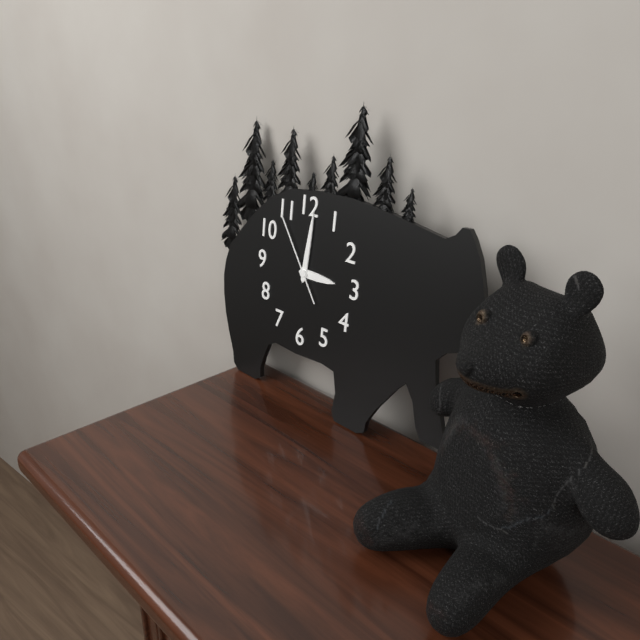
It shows 3:01:54
